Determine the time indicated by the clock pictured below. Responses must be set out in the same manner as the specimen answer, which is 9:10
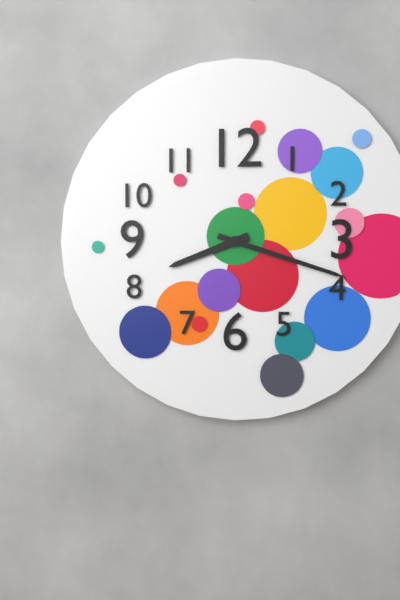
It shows 8:18
